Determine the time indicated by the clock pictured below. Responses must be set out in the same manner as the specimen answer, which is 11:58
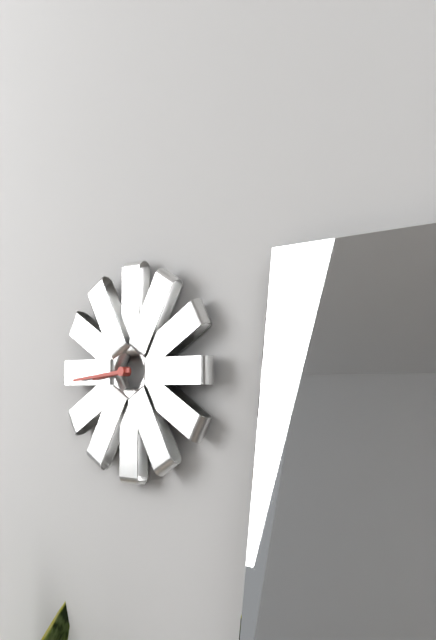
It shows 8:44
